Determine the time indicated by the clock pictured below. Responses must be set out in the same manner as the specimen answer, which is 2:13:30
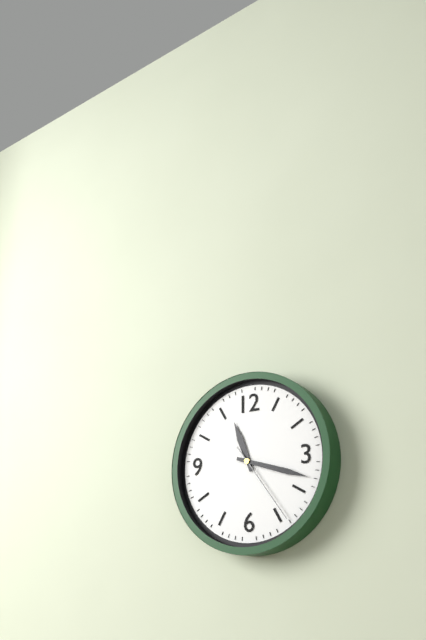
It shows 11:18:24
